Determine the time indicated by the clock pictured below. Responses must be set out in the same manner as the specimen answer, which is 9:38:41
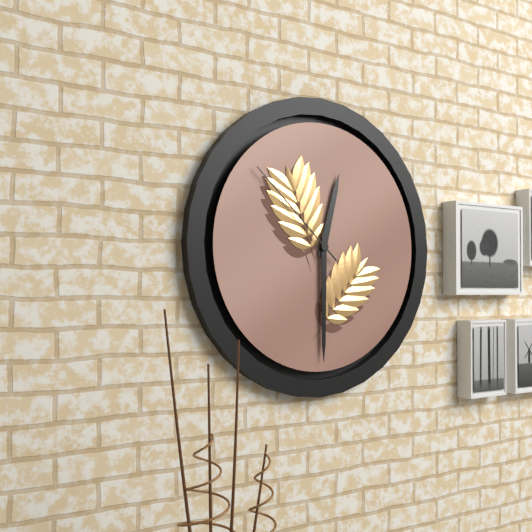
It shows 12:30:52
